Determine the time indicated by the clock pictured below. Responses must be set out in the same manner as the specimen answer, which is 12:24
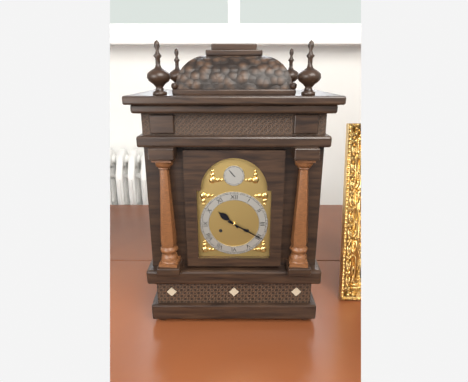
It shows 10:20
